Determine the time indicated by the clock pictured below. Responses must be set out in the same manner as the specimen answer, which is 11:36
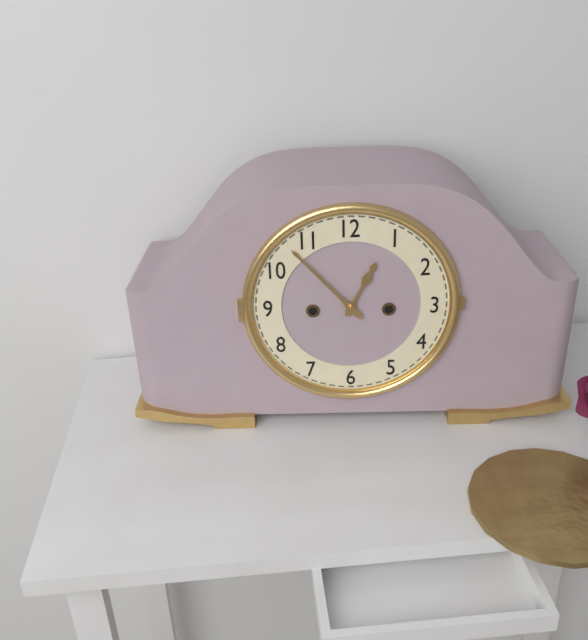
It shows 12:53
